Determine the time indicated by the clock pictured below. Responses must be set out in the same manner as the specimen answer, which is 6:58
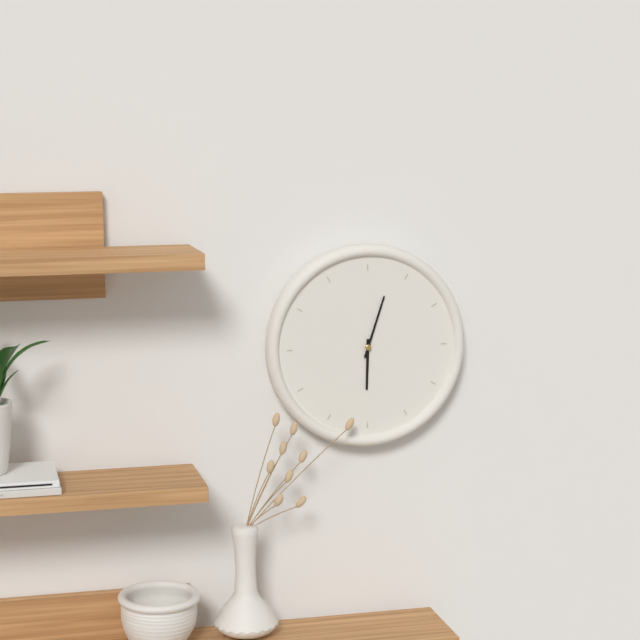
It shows 6:03
